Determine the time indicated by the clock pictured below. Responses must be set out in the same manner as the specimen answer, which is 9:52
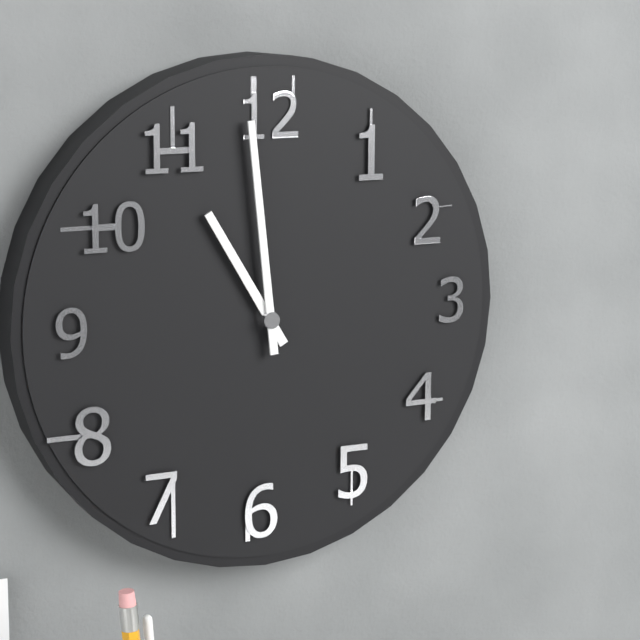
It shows 10:59
